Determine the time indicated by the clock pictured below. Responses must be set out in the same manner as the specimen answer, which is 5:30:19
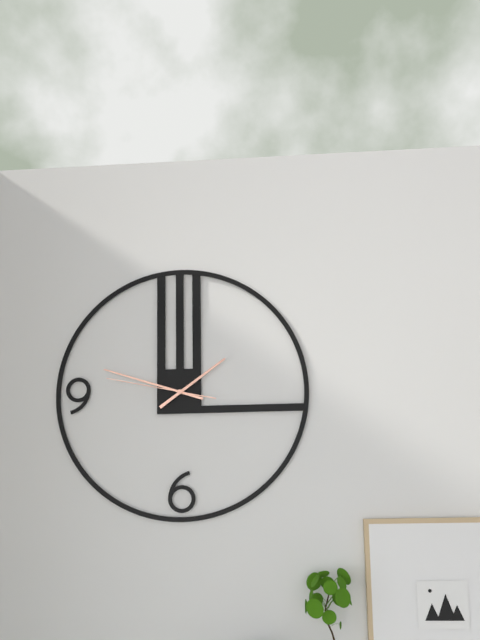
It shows 1:48:47
